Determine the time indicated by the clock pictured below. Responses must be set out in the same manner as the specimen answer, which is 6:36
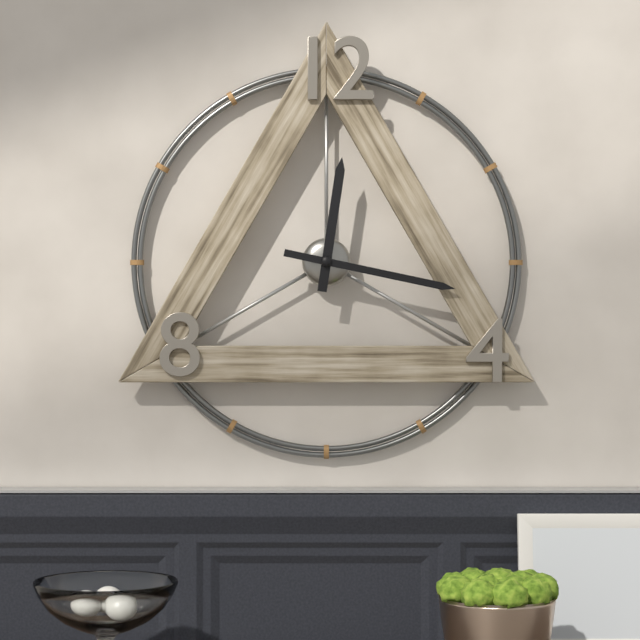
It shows 12:17
